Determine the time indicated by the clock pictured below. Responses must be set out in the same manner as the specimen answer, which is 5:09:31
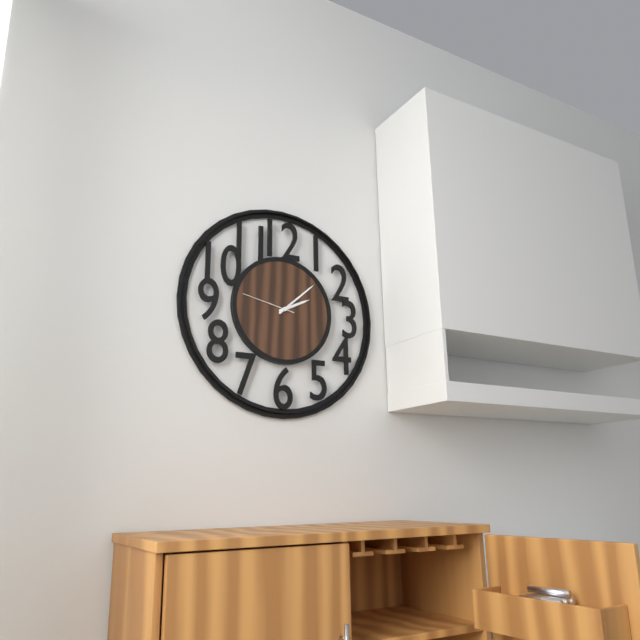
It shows 2:08:47
